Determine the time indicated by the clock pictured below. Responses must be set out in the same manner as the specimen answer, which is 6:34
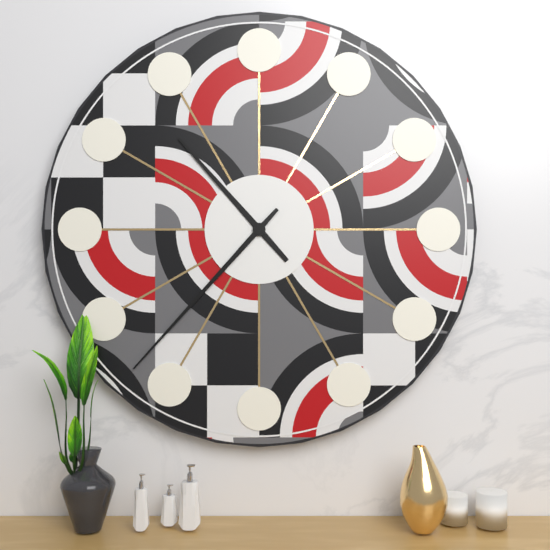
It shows 10:37
